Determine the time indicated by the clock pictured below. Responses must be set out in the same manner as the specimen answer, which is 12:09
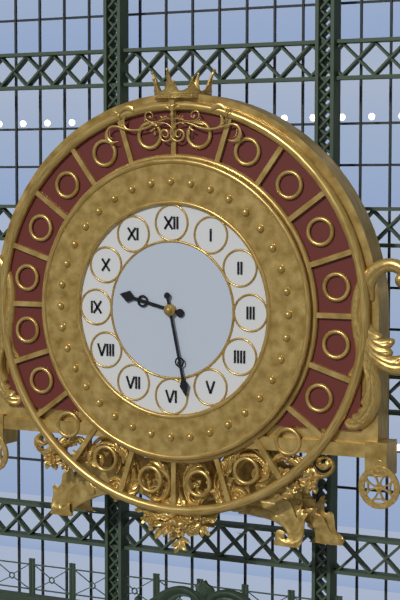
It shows 9:28
